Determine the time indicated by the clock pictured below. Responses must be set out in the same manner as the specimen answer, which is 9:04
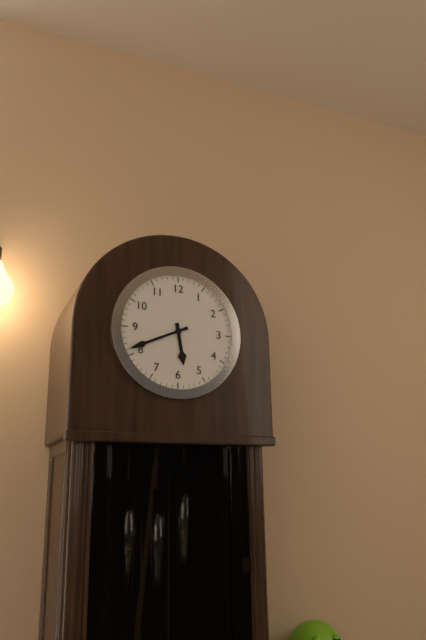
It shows 5:41
